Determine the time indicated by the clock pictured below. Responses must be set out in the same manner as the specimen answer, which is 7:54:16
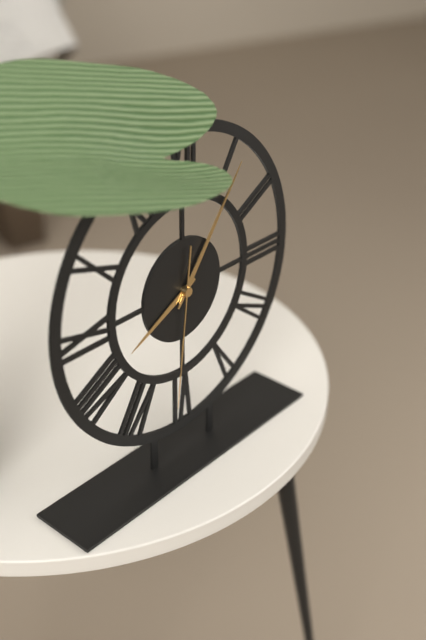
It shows 8:06:31
